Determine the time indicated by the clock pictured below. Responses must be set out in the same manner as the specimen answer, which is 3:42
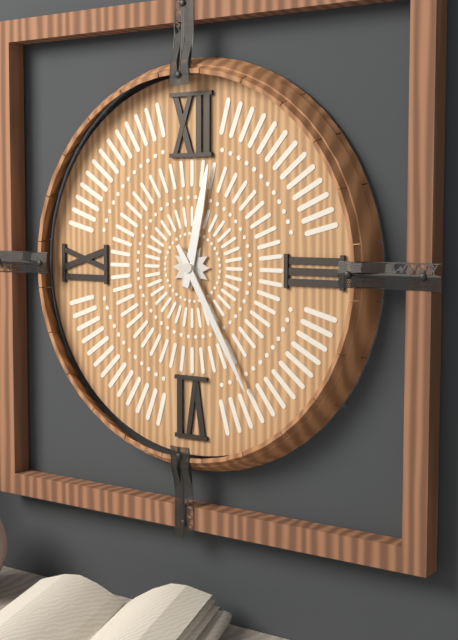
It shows 12:25
